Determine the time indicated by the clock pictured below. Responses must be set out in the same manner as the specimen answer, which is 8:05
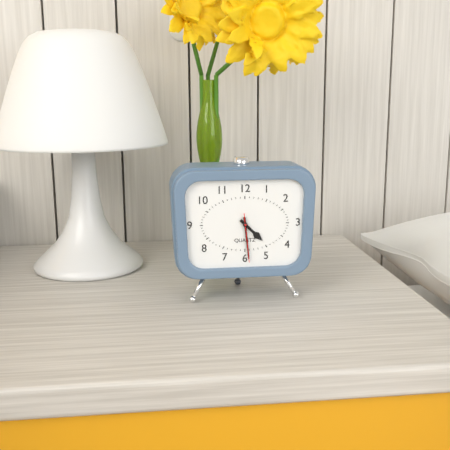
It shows 4:29
